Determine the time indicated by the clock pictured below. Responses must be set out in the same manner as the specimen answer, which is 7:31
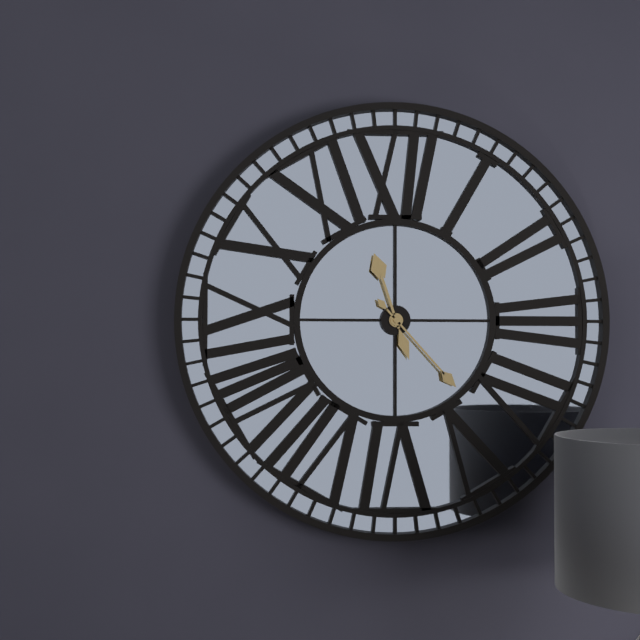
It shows 11:23
